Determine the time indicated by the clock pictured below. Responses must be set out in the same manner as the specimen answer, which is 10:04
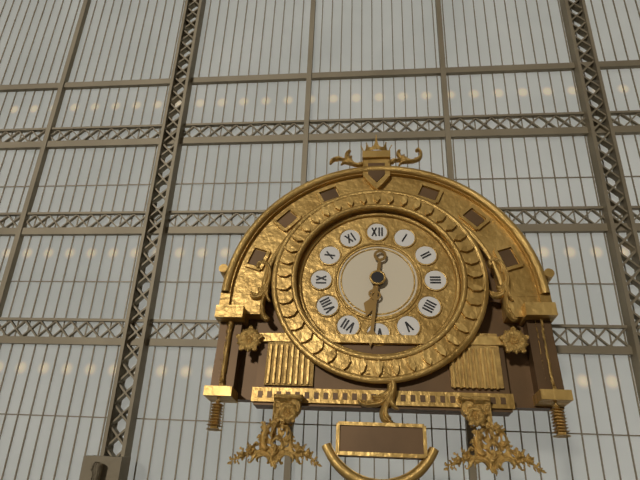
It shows 6:31
